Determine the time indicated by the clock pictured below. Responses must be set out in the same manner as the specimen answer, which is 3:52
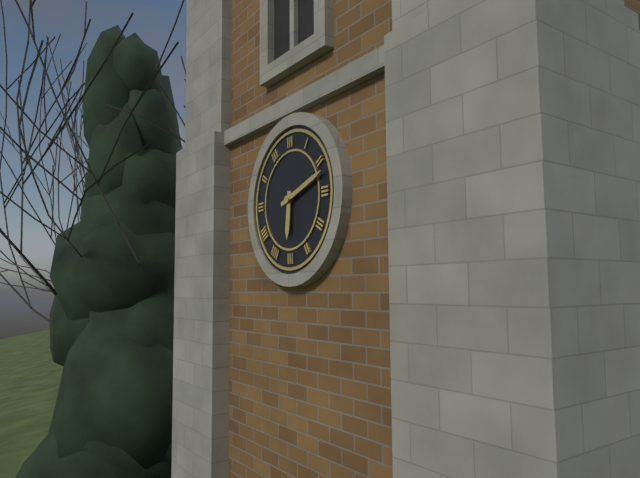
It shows 6:12
